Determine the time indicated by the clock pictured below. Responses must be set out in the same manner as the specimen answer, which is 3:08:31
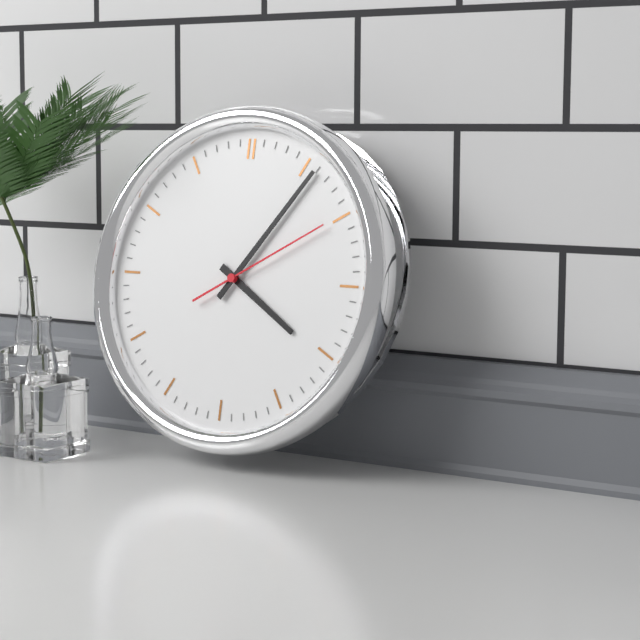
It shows 4:06:10
